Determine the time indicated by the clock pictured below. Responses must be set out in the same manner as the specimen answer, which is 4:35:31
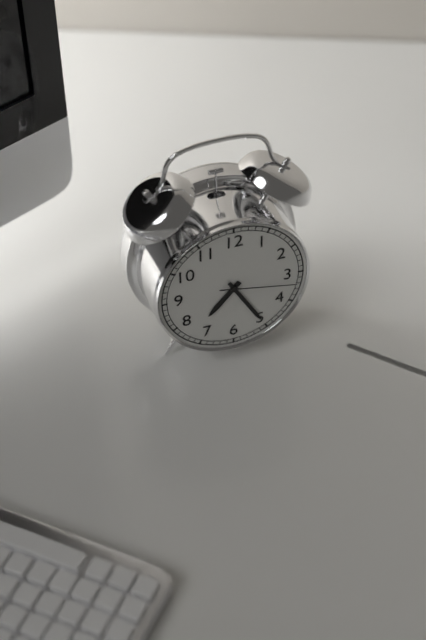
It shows 7:25:17
